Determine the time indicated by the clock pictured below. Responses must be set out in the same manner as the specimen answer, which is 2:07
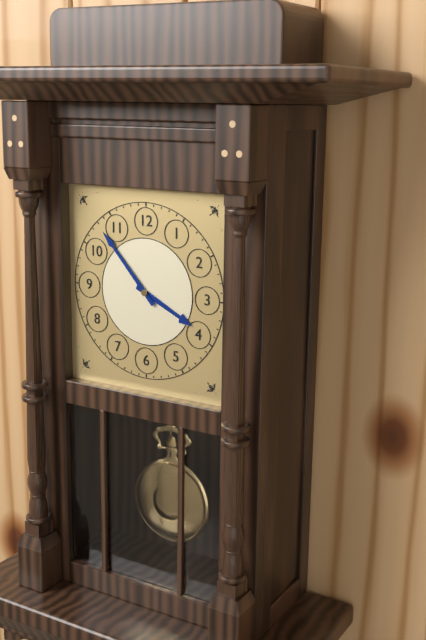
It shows 3:53
